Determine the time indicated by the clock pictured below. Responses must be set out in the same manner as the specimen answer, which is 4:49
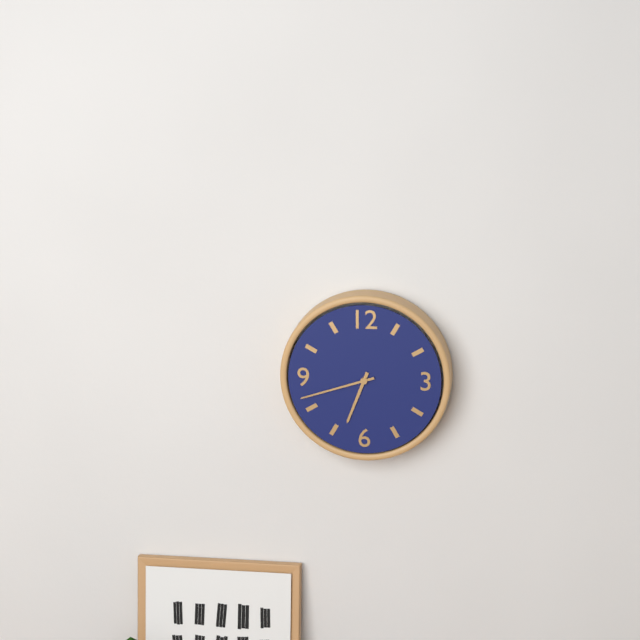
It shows 6:42
